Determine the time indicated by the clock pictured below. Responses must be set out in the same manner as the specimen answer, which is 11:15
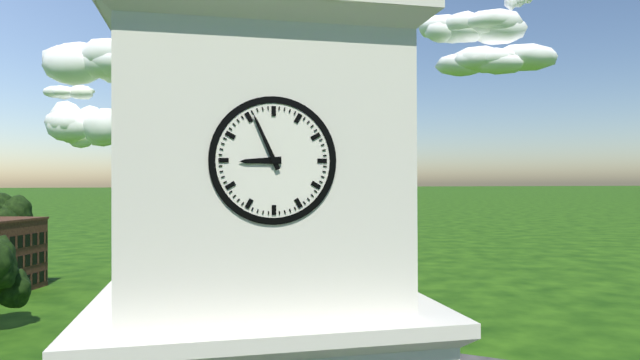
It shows 8:56
